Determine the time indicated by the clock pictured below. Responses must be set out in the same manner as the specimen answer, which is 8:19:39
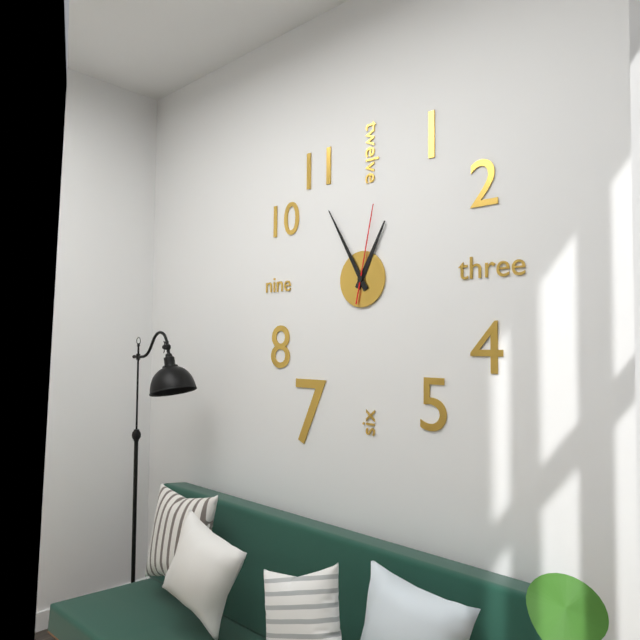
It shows 12:55:02
